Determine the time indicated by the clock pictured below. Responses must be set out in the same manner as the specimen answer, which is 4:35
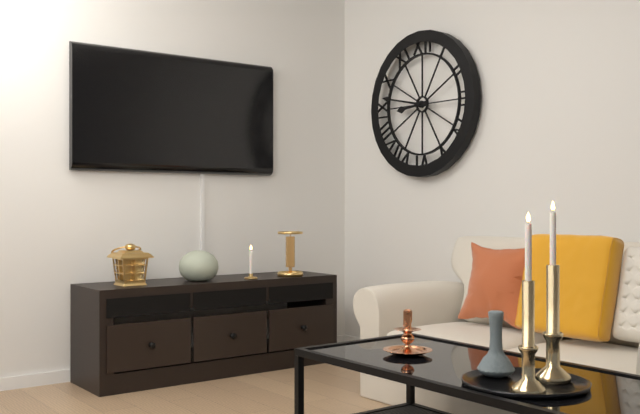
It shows 8:47
